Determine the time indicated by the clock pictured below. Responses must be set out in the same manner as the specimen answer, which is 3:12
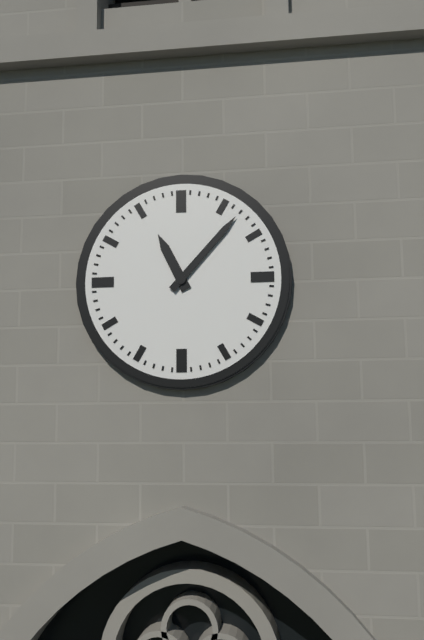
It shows 11:07
